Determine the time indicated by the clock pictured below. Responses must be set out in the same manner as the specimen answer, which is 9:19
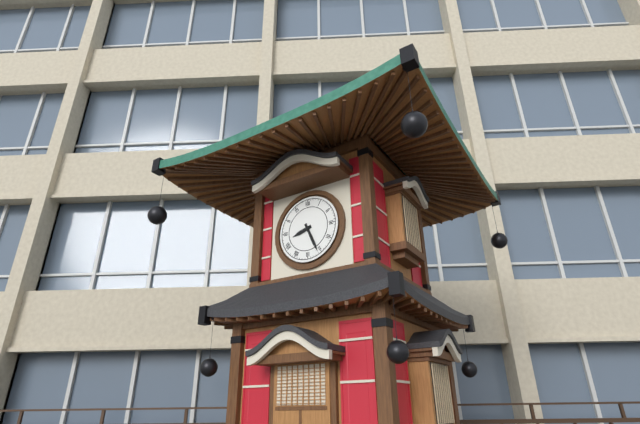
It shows 8:26
